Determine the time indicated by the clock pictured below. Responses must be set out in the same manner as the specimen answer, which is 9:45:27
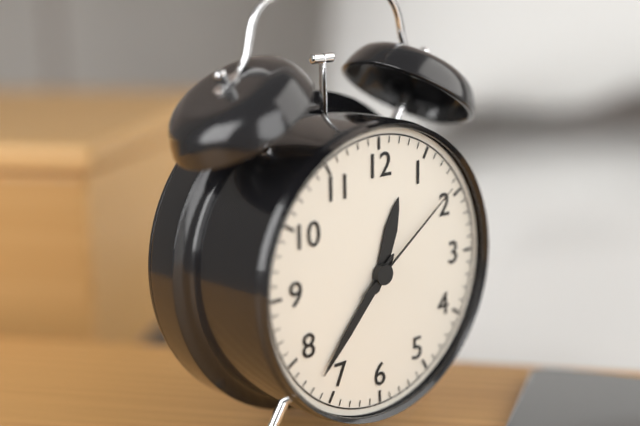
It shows 12:37:09
